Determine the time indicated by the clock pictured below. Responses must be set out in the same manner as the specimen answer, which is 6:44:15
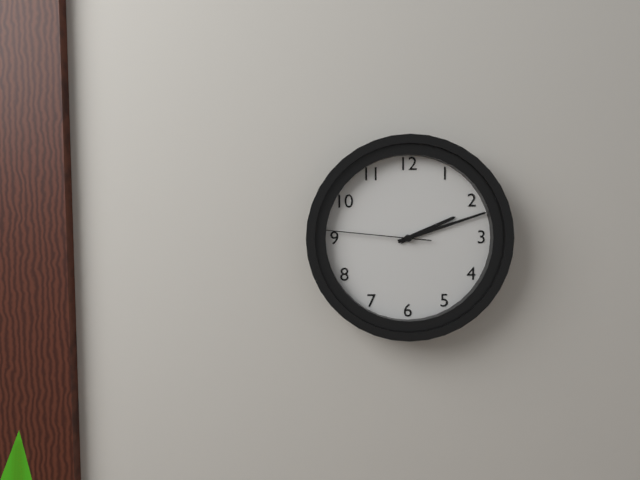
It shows 2:12:46
